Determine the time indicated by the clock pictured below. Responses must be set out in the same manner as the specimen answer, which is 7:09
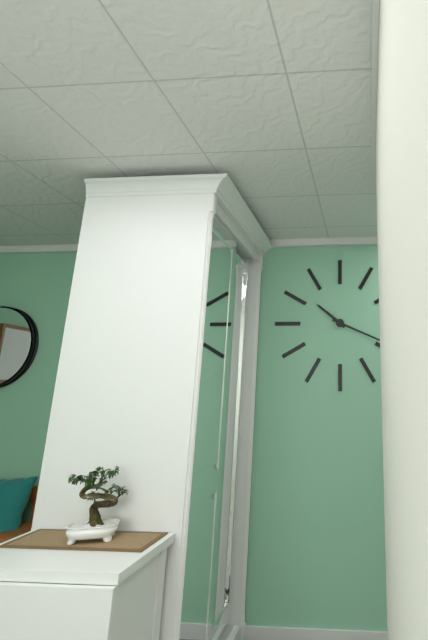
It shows 10:19
